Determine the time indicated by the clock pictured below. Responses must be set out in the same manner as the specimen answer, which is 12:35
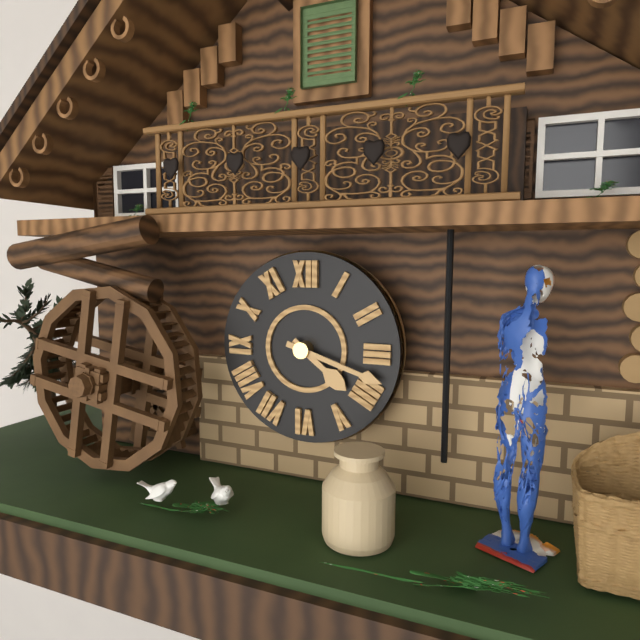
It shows 4:18
